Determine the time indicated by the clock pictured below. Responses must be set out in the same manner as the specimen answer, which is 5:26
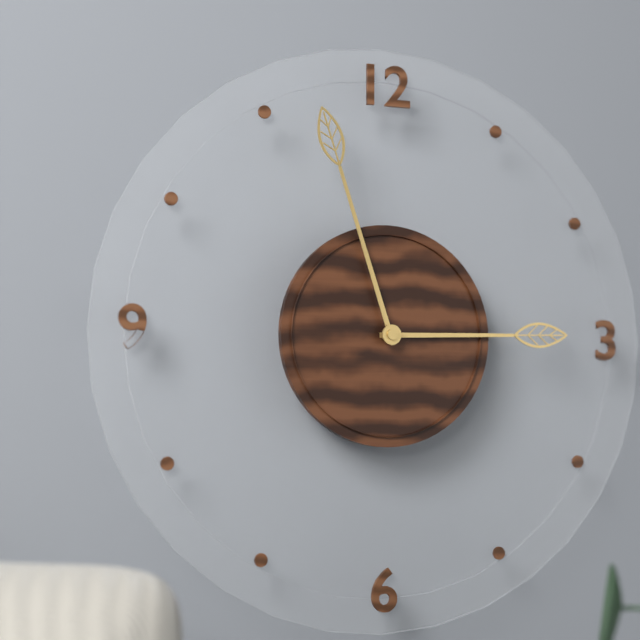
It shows 2:57
